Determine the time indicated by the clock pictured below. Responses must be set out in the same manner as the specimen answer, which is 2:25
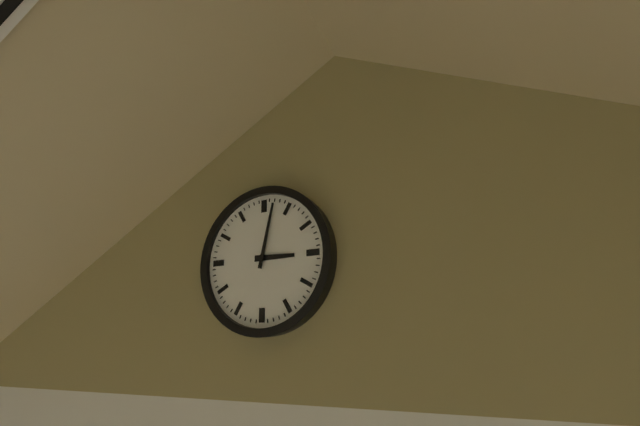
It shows 3:02
